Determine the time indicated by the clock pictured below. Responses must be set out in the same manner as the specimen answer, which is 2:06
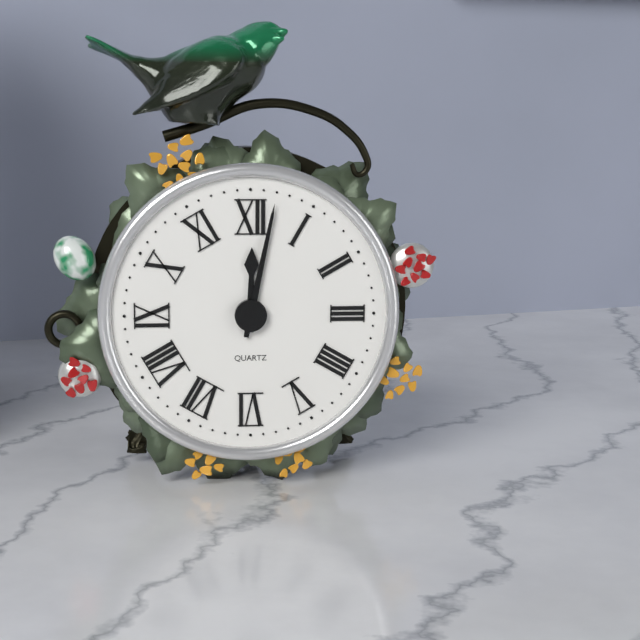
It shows 12:02
